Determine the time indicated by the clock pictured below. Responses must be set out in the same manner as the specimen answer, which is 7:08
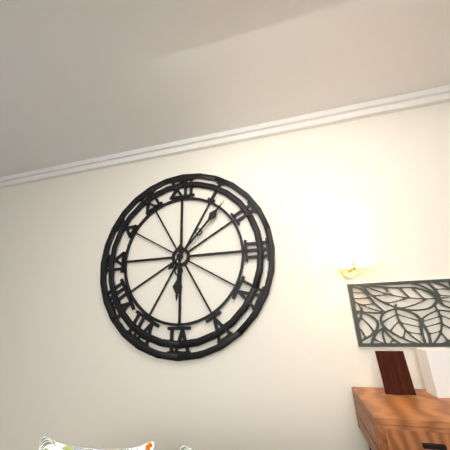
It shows 6:07
